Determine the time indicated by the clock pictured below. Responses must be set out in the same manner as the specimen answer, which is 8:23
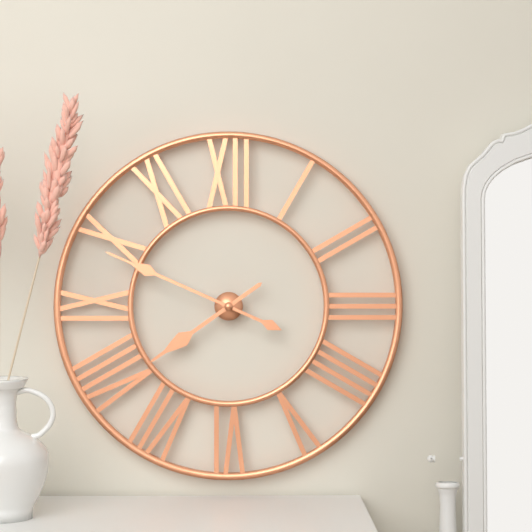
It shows 7:49
